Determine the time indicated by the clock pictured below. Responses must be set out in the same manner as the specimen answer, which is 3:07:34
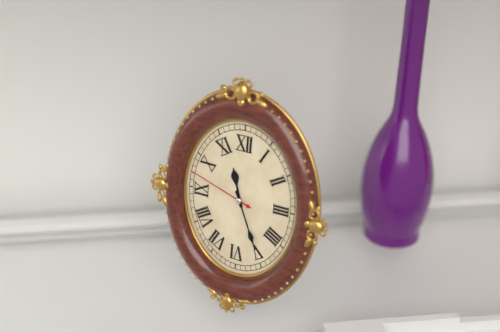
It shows 11:26:48
